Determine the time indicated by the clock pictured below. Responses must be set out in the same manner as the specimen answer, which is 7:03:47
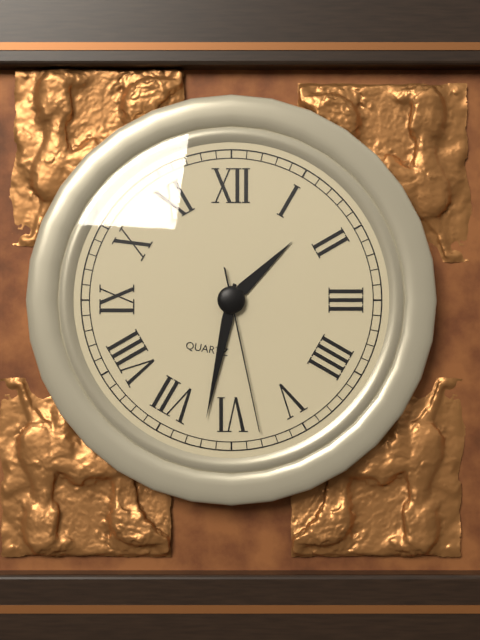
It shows 1:32:28
